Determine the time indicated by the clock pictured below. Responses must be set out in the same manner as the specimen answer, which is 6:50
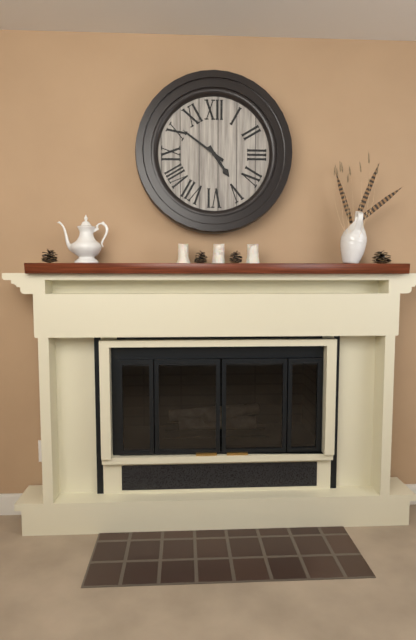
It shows 4:51
